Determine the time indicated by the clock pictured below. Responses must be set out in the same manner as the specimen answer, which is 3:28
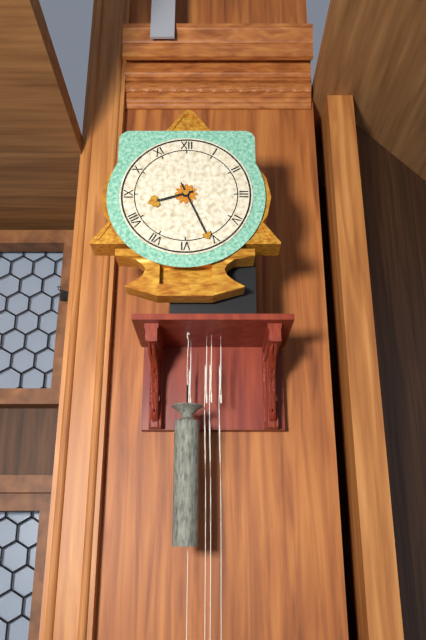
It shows 8:26
